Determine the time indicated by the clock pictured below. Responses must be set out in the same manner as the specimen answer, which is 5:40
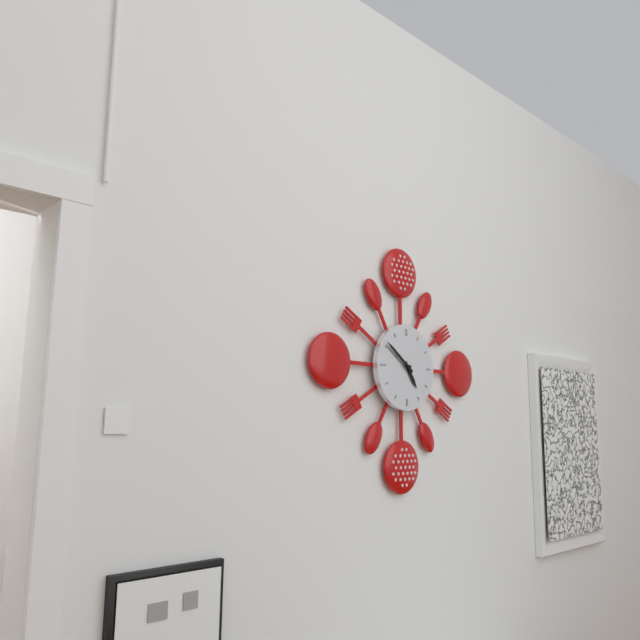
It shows 4:51
